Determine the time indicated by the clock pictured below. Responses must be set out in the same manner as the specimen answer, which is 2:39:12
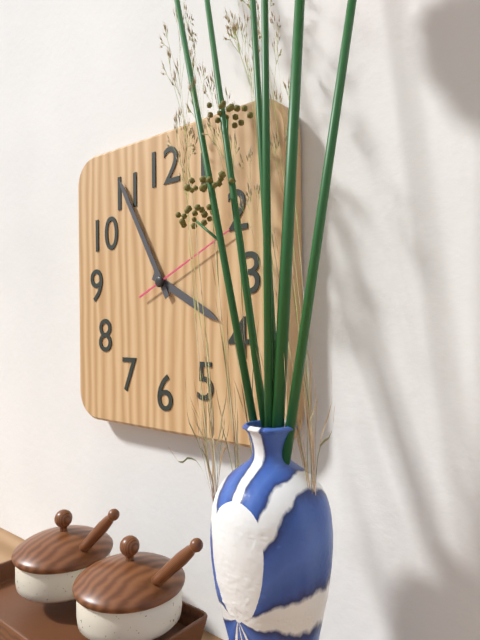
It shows 3:55:11
